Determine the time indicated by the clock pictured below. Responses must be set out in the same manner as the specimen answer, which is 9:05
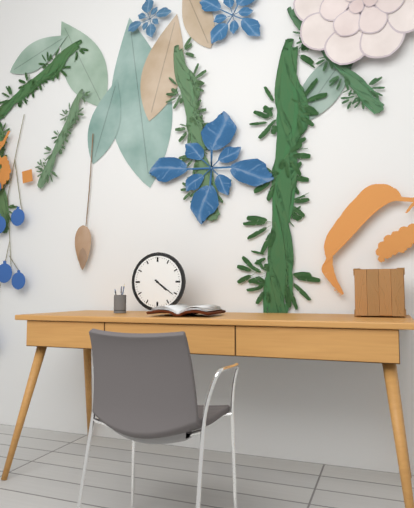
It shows 4:21
